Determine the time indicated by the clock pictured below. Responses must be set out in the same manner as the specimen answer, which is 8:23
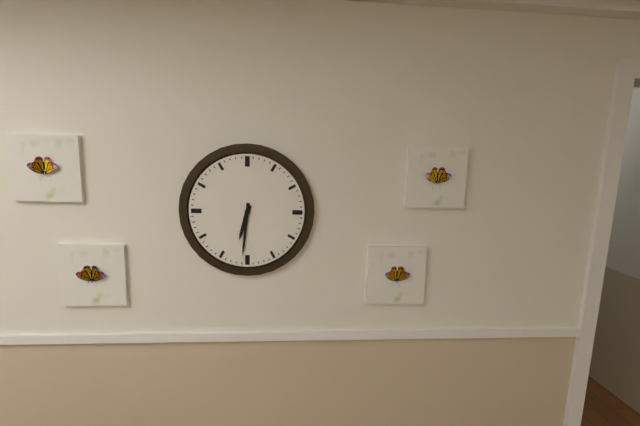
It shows 6:31
